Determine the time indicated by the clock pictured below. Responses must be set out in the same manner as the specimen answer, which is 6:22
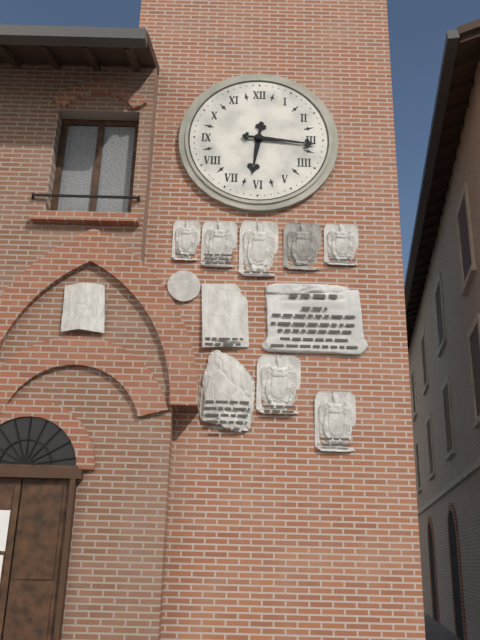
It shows 6:16
